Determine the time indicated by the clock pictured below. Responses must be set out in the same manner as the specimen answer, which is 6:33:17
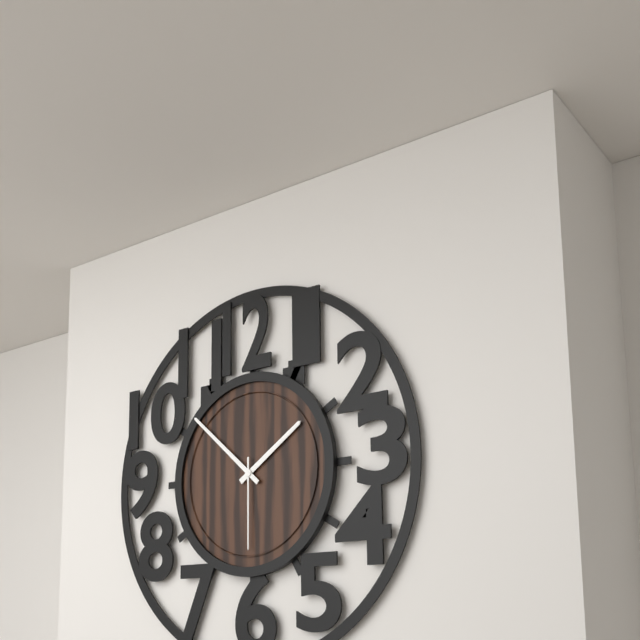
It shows 1:52:30
